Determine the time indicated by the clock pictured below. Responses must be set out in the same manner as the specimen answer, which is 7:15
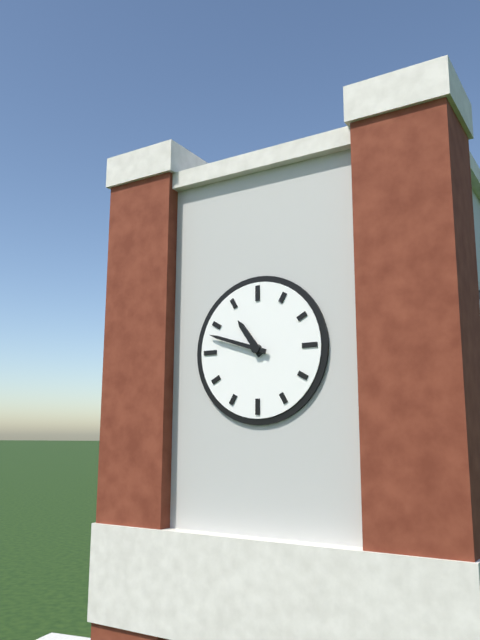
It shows 10:48
